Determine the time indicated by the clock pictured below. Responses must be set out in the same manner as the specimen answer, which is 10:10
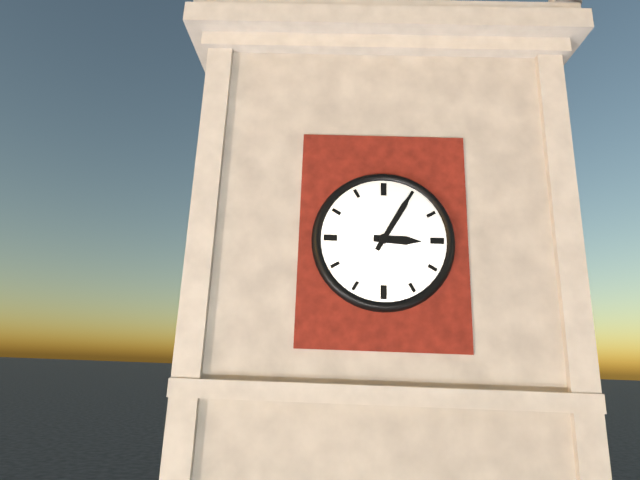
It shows 3:05
